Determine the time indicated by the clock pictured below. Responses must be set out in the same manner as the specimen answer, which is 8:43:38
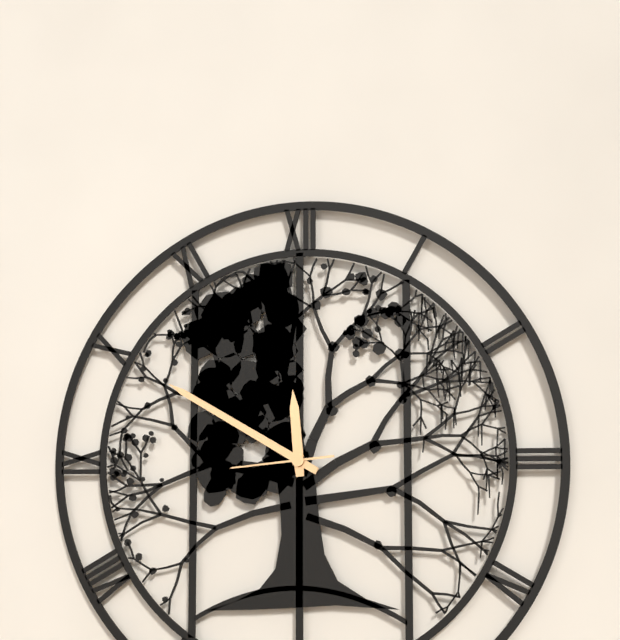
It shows 11:50:44
